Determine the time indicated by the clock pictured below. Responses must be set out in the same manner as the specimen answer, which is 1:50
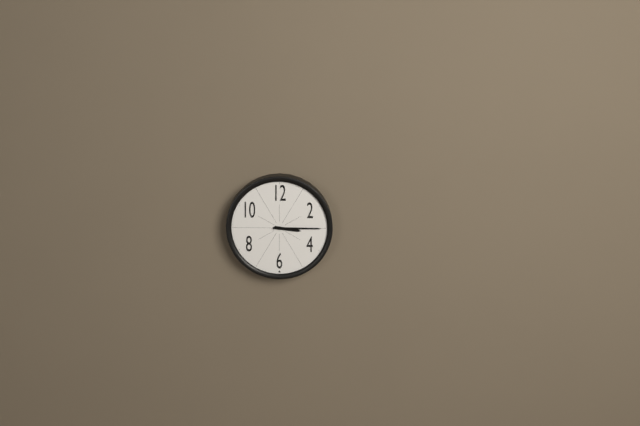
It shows 3:15
